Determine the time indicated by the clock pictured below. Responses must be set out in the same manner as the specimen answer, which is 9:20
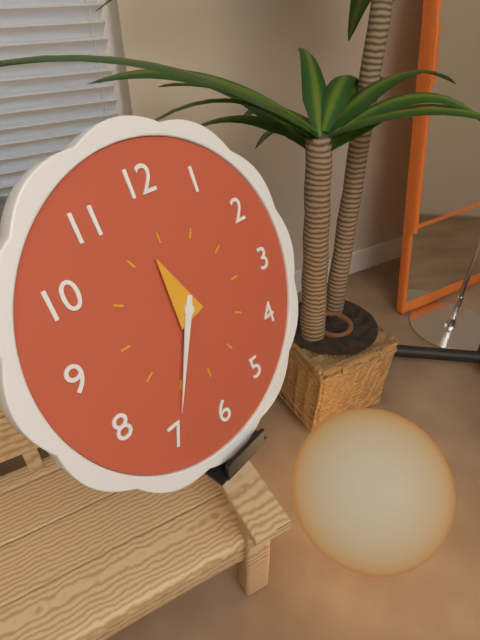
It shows 11:35
